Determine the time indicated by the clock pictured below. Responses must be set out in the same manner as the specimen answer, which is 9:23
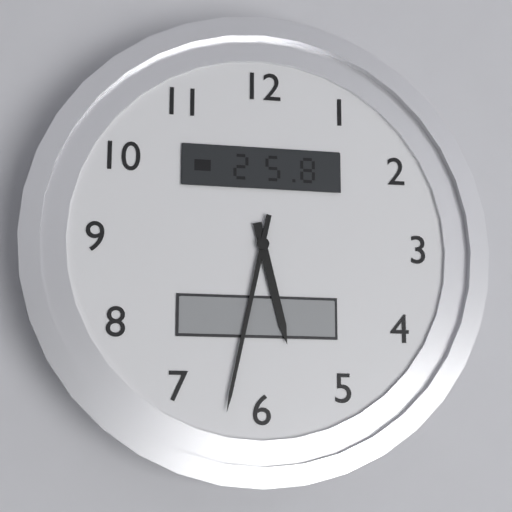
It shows 5:32
